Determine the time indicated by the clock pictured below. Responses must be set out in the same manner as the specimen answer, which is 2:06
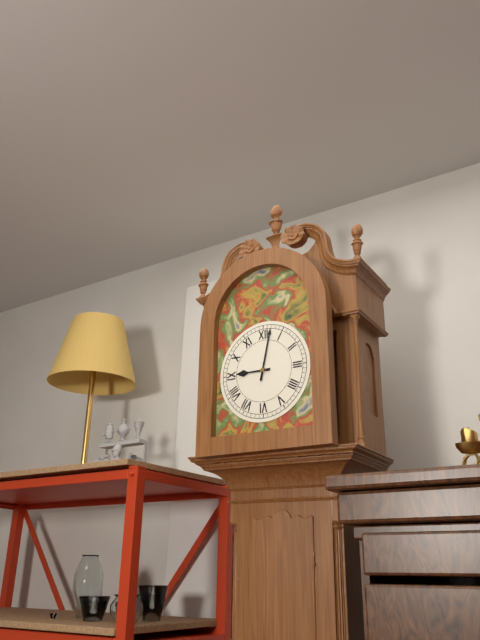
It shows 9:02
